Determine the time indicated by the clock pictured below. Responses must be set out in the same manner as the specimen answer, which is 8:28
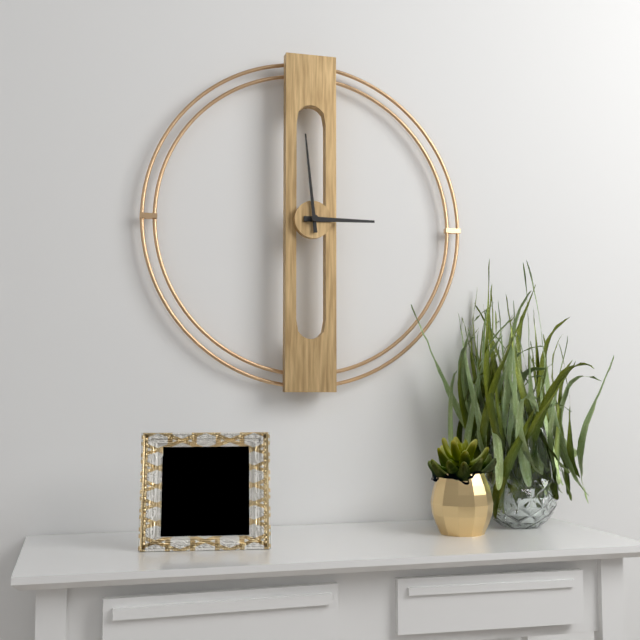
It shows 2:59
